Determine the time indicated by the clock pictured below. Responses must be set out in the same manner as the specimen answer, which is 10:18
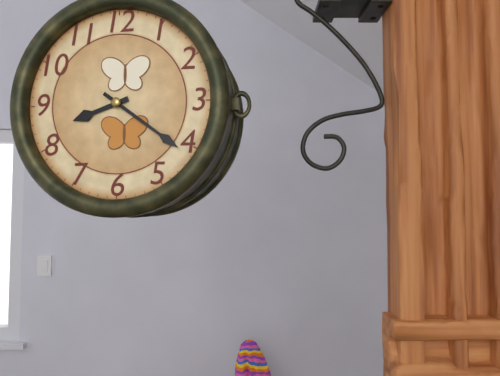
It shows 8:21
